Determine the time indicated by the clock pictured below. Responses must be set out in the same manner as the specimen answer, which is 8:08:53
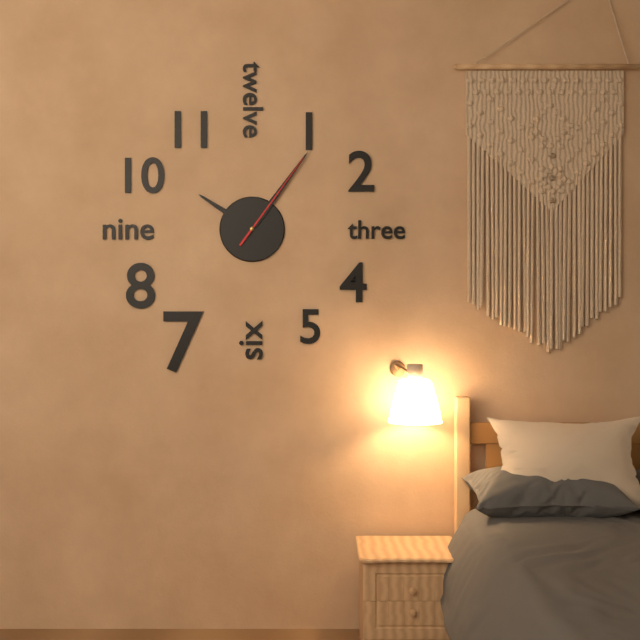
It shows 10:06:06
